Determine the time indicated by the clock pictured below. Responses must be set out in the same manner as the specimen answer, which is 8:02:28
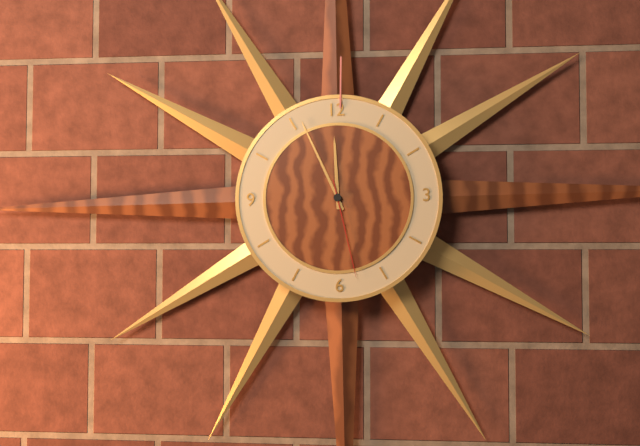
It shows 11:56:28
